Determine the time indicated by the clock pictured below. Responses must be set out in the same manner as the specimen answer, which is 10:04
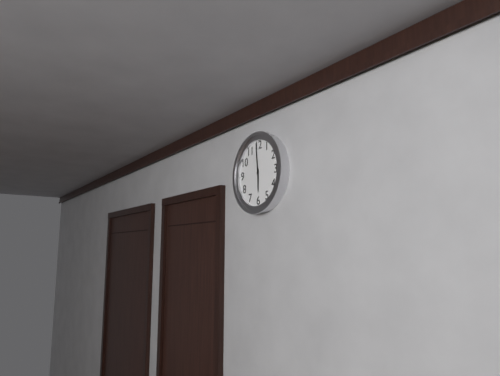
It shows 5:59
